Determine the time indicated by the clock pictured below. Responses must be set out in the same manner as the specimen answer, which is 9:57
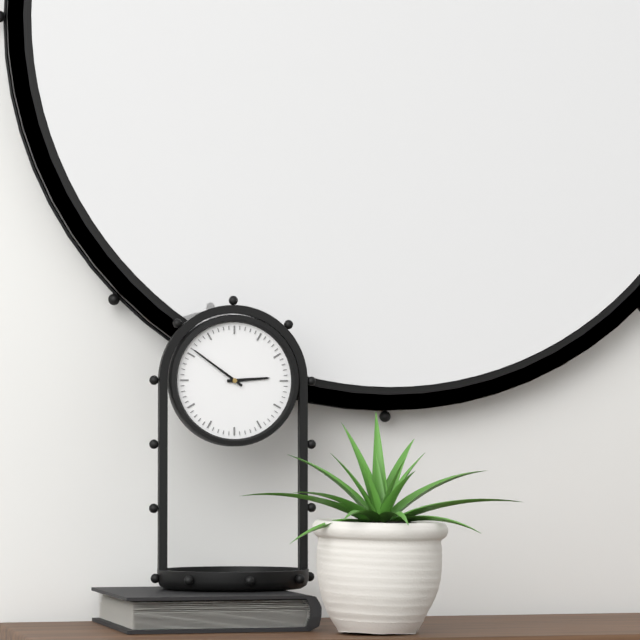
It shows 2:51
